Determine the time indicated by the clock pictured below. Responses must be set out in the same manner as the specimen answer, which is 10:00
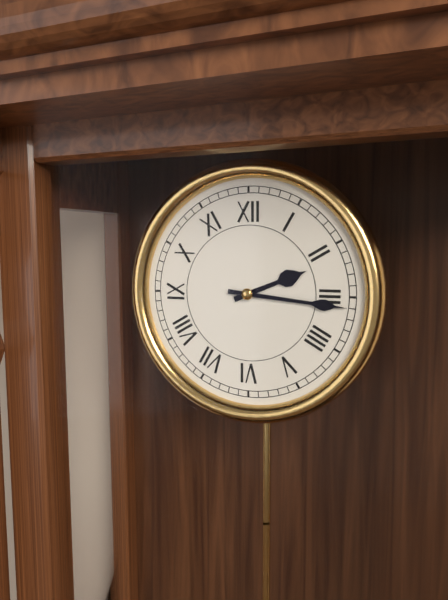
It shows 2:16
